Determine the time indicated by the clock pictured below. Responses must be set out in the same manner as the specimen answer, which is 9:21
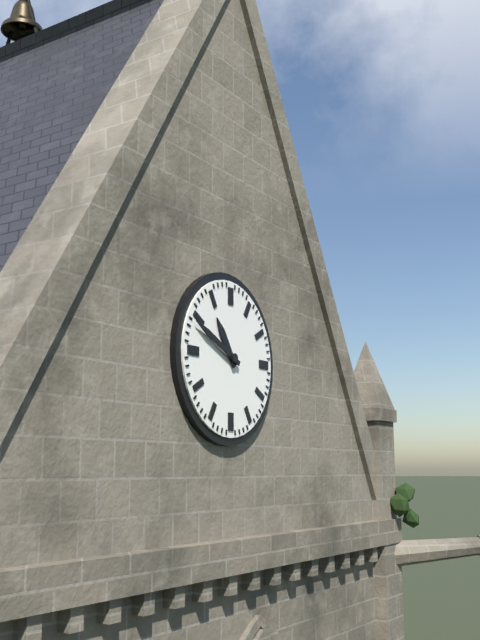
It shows 10:49
